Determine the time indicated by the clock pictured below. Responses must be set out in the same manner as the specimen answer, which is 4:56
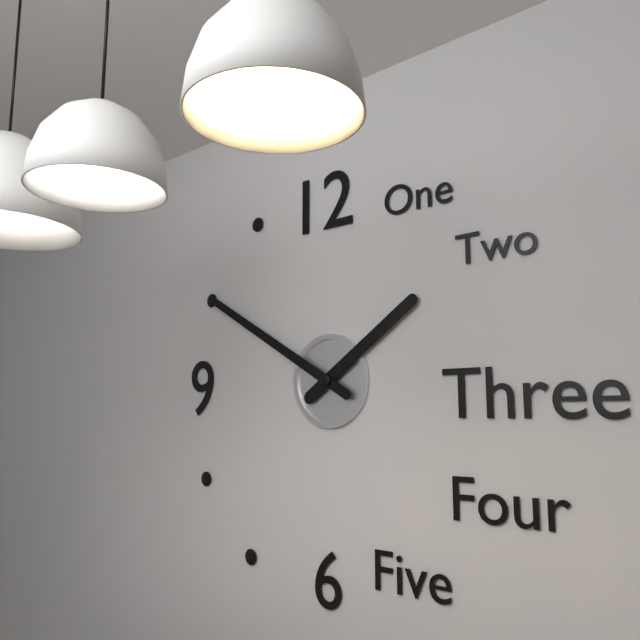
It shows 1:50
